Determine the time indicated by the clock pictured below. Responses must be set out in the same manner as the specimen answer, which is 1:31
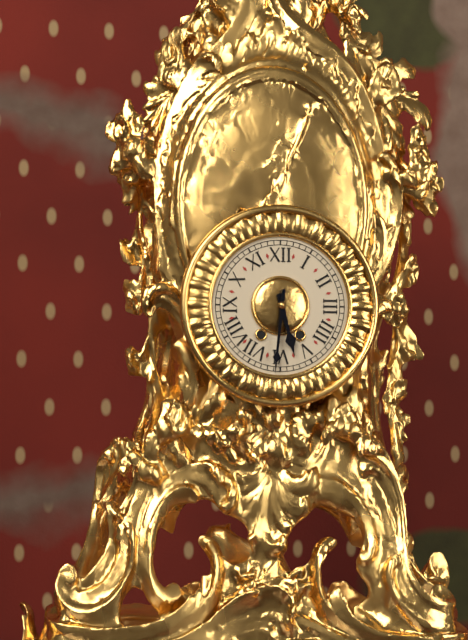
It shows 5:31
